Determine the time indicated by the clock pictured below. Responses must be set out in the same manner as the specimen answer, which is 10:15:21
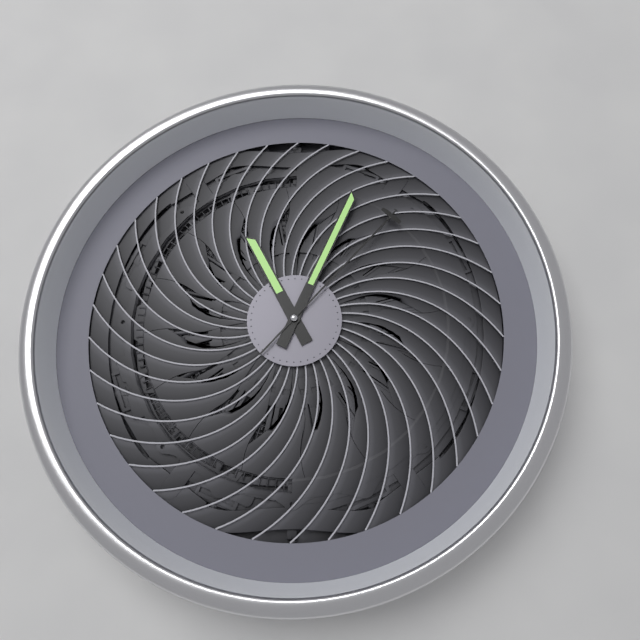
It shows 11:04:07
